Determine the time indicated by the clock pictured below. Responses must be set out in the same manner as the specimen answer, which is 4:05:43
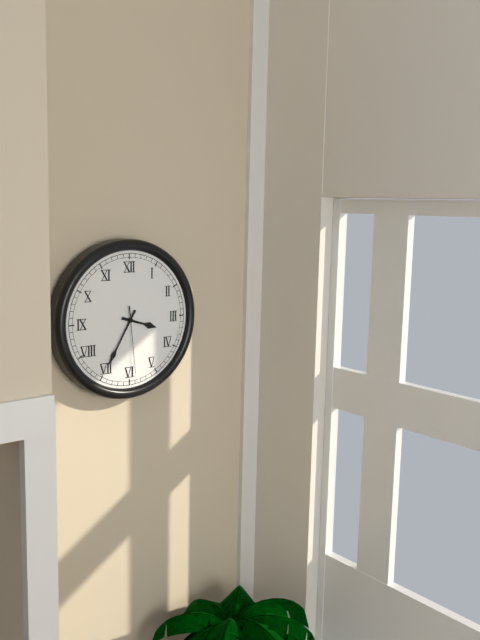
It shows 3:35:29
